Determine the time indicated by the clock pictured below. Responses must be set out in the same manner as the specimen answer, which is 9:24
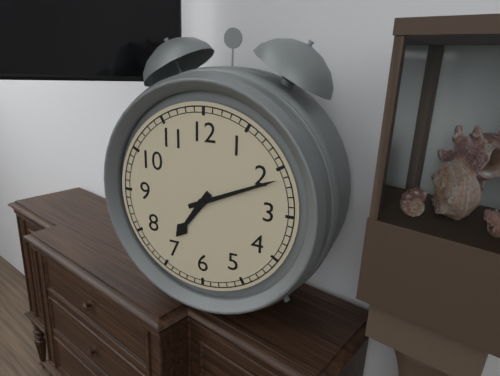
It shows 7:11
